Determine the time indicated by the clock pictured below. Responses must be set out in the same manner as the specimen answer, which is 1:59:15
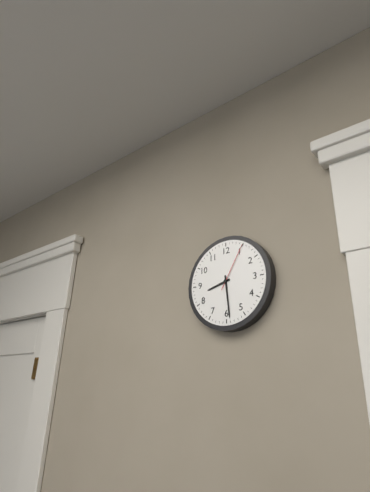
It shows 8:29:05
